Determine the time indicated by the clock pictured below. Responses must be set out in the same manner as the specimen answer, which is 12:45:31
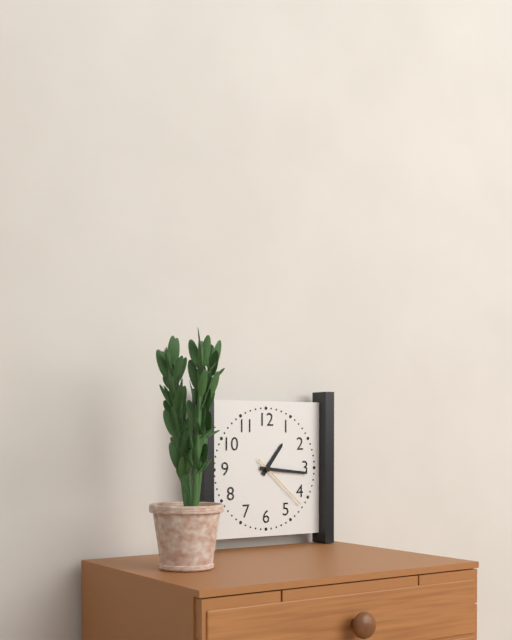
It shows 1:16:22
